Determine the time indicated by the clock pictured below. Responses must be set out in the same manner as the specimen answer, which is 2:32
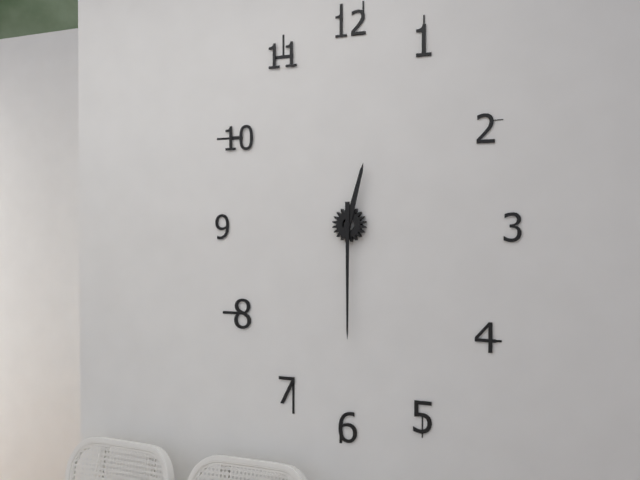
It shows 12:30
